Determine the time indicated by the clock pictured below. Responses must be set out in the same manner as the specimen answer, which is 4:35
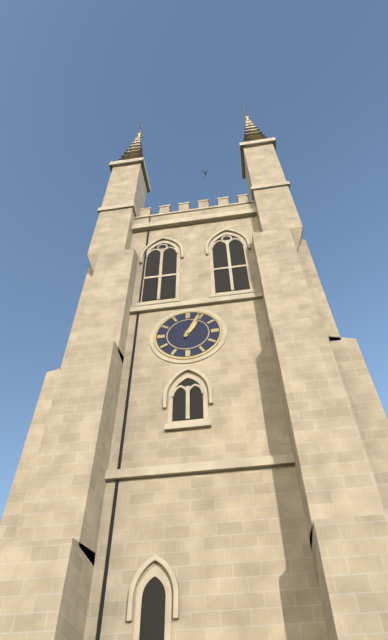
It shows 1:04
